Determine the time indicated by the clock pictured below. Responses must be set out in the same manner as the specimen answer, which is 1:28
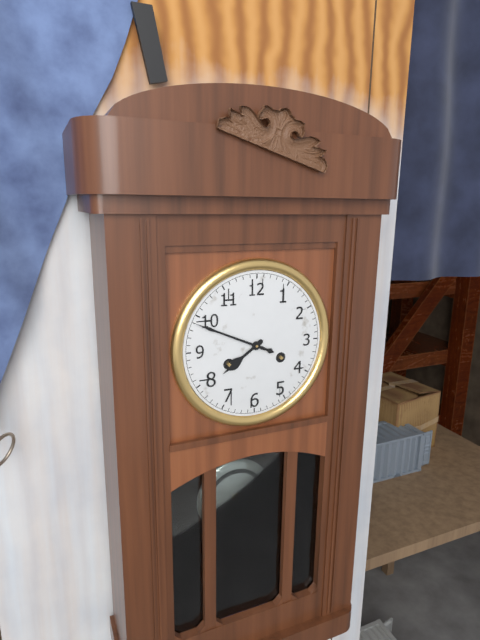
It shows 7:49
